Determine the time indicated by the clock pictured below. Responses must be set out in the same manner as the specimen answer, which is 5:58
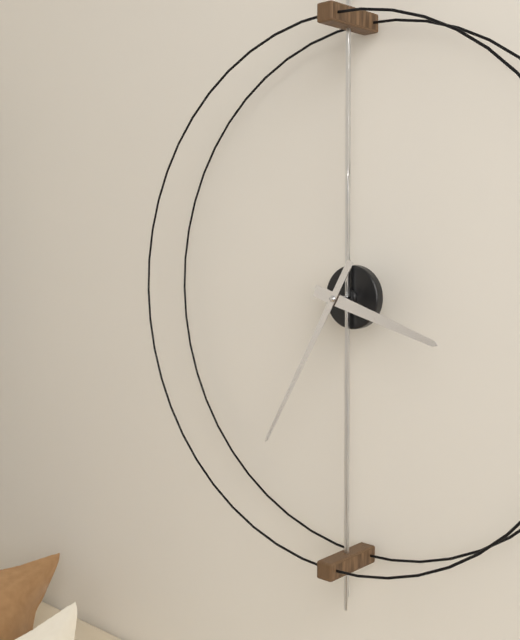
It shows 3:35
